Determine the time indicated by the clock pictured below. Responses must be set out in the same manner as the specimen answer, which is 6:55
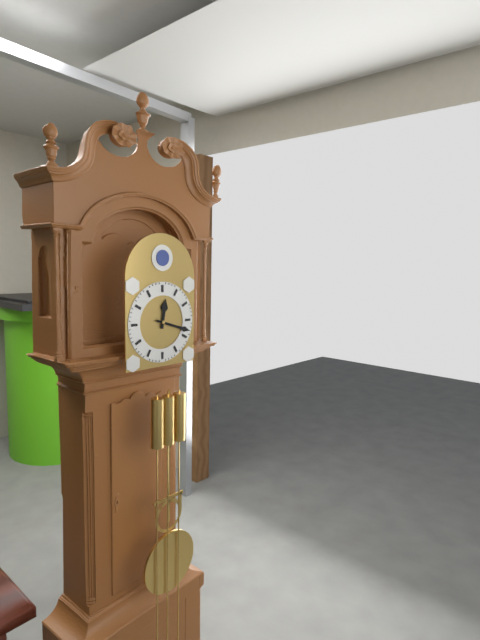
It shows 12:18
